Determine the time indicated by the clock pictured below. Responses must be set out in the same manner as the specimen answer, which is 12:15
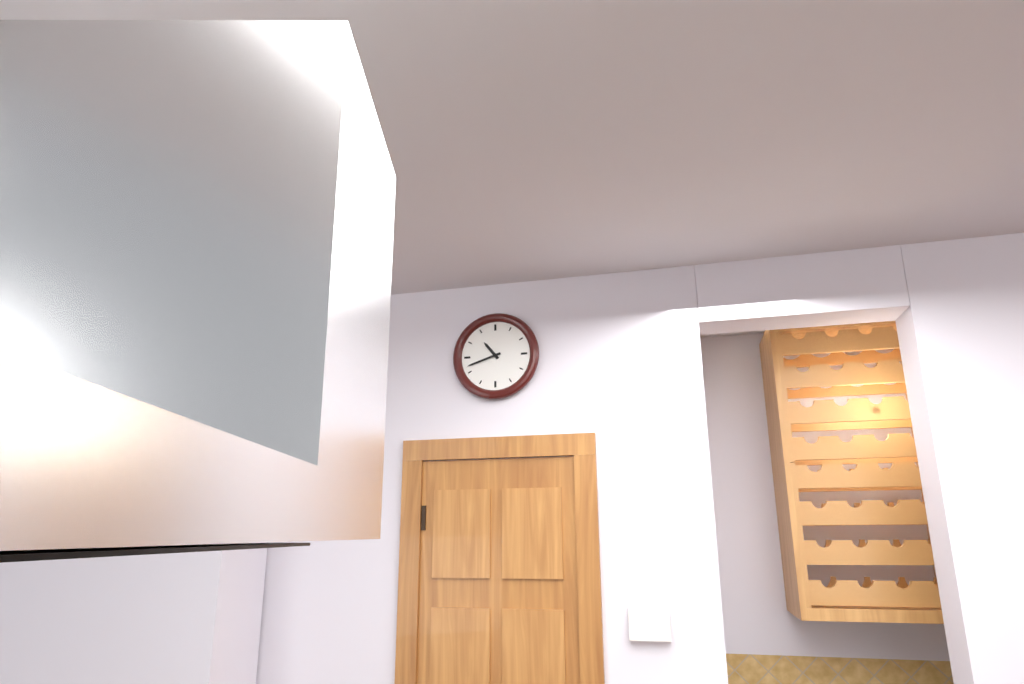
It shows 10:42
